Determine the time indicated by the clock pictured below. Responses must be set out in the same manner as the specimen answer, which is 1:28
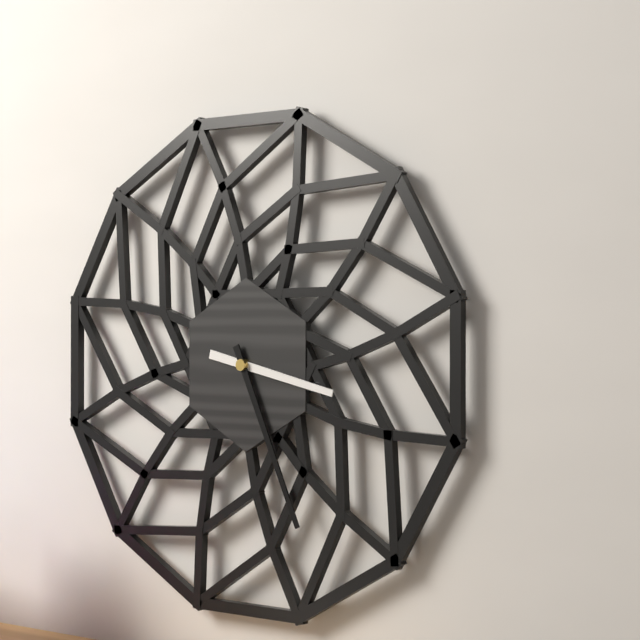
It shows 3:26
